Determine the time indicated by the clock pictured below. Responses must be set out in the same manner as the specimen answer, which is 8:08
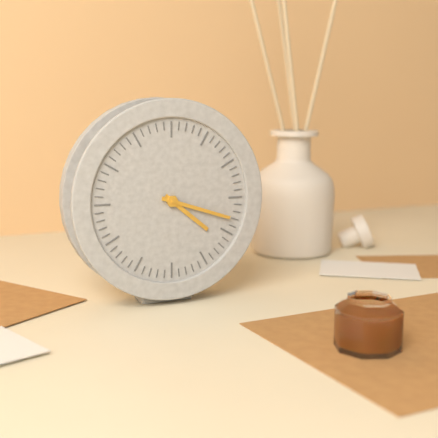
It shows 4:18
